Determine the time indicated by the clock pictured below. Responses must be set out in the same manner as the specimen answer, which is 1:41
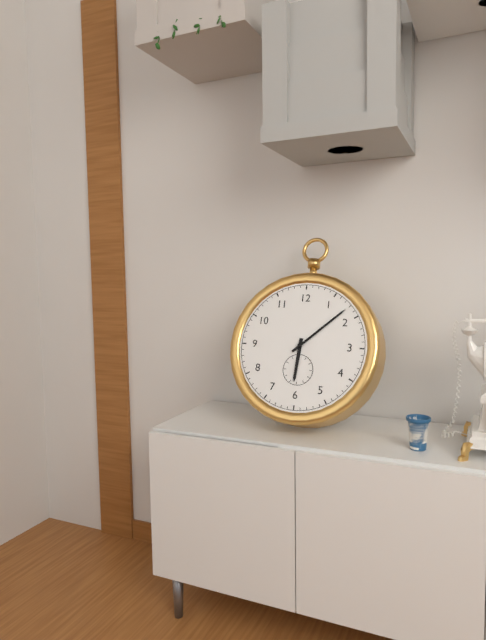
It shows 6:08
